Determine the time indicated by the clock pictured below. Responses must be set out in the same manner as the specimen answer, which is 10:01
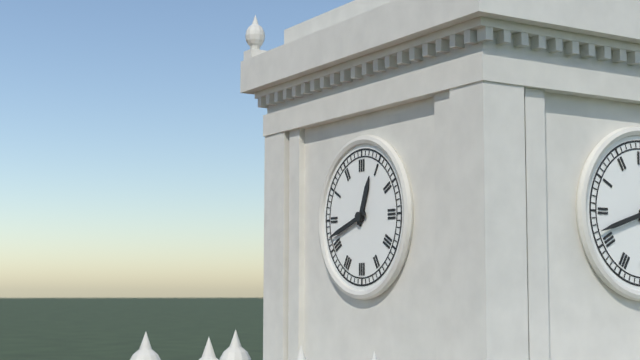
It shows 12:42
